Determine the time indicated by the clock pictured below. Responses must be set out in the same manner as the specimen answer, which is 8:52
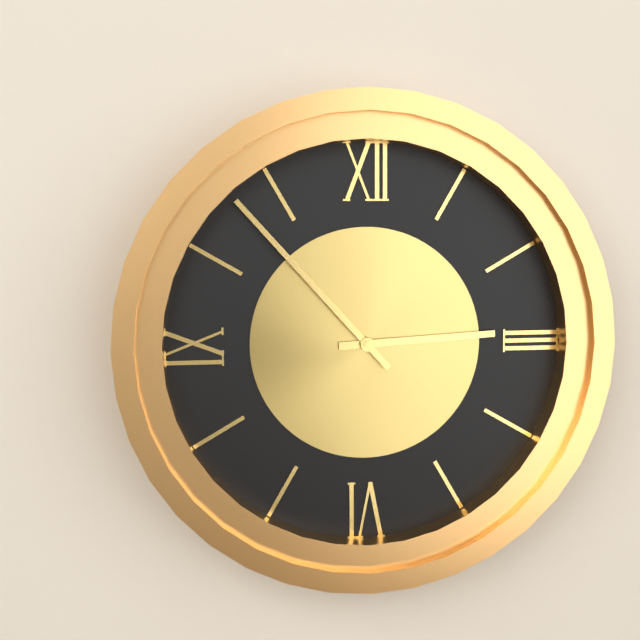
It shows 2:53
